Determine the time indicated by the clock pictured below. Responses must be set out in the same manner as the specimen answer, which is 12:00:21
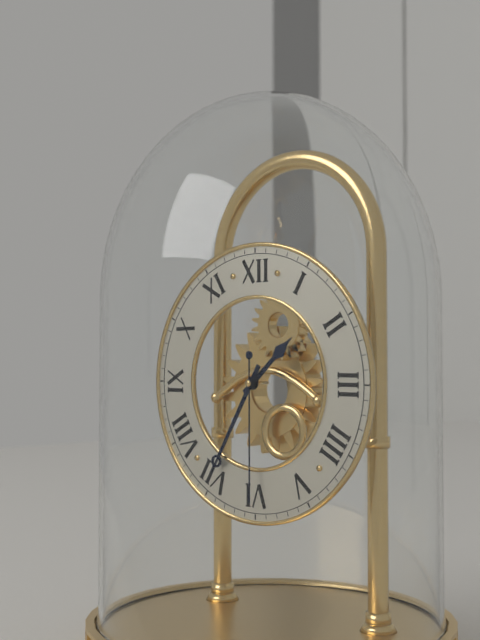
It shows 1:35:30
